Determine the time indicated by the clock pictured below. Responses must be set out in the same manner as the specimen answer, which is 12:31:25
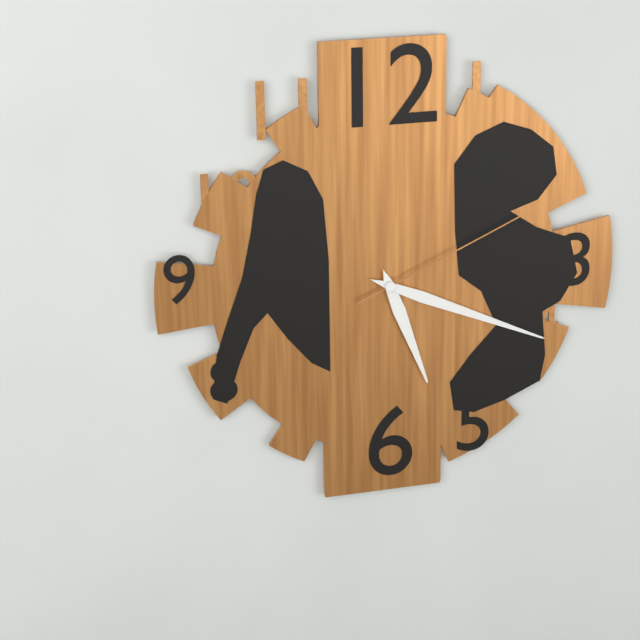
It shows 5:19:11
